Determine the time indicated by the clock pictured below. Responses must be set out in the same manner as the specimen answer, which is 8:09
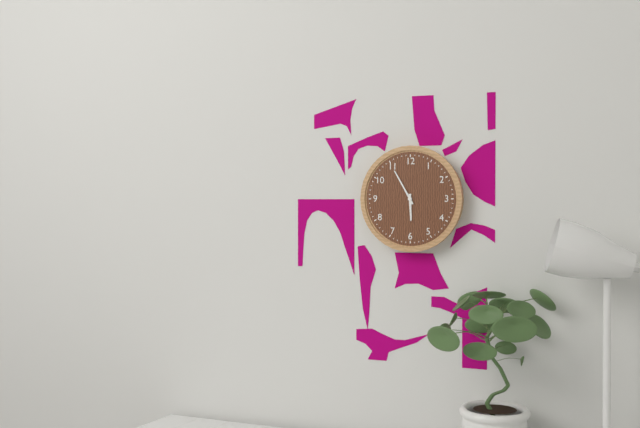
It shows 5:55
